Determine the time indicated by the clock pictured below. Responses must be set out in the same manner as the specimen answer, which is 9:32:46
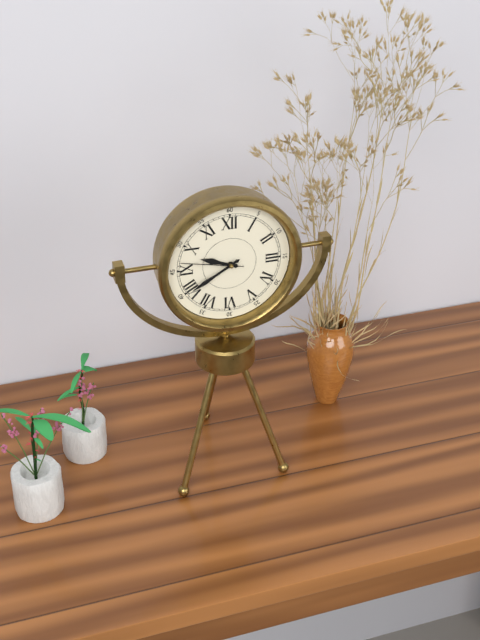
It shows 9:40:47
